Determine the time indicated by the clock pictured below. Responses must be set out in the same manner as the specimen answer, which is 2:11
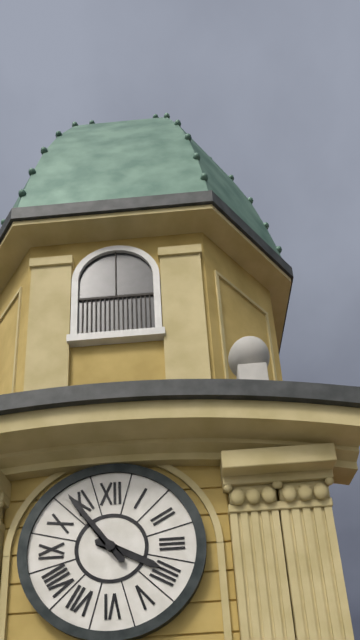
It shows 3:54
